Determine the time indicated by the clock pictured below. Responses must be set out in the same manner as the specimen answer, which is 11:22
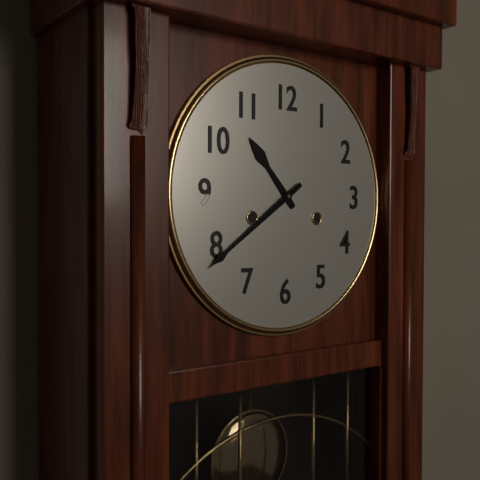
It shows 10:39
